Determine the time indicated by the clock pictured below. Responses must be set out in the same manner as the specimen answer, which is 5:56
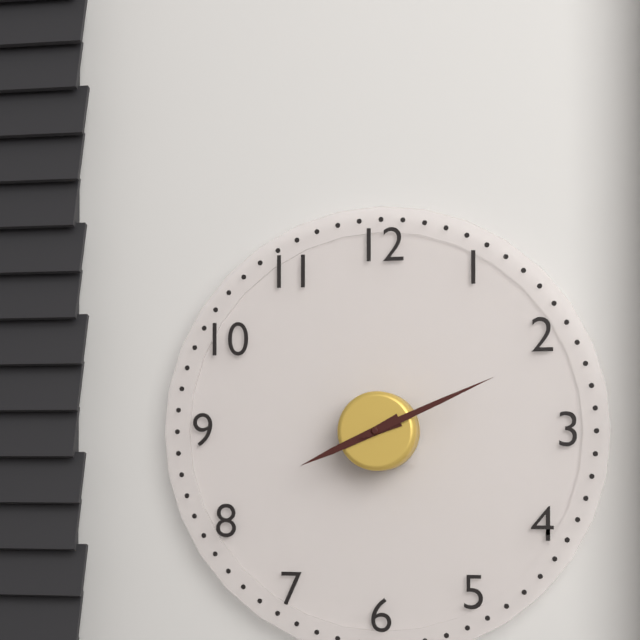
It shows 8:11
